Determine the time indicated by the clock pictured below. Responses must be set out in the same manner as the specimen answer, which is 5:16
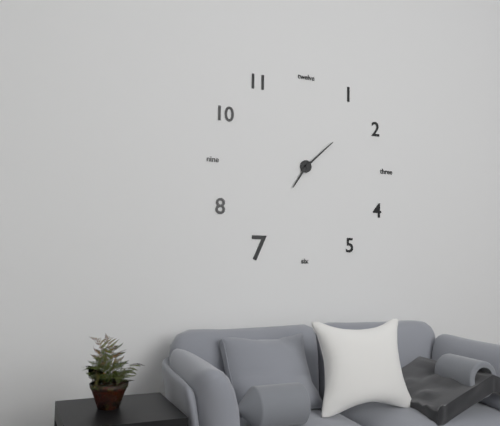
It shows 7:08
